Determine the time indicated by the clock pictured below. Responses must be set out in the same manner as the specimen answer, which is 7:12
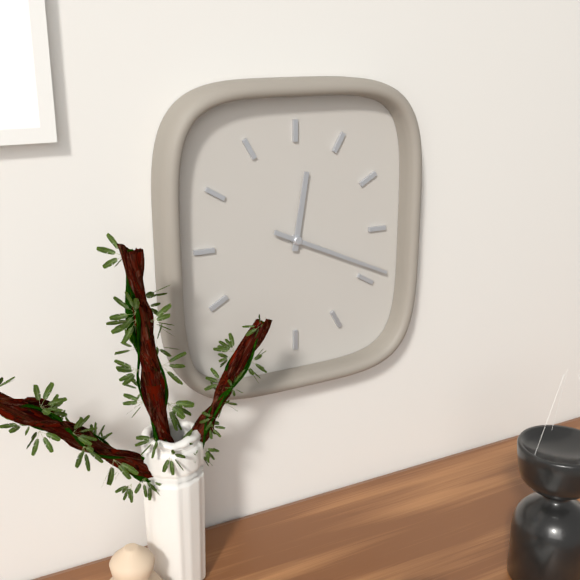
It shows 12:19
